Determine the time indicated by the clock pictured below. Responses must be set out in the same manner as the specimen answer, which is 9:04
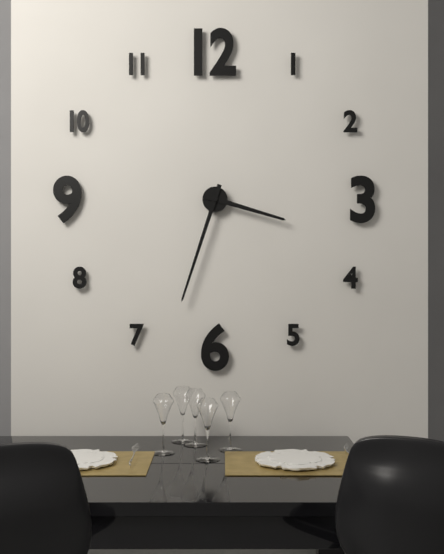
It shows 3:33
